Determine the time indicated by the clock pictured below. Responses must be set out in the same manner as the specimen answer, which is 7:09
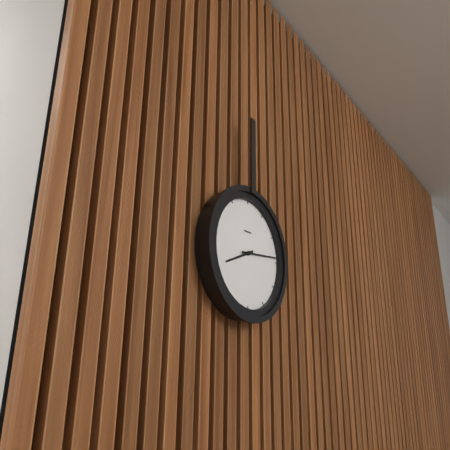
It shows 8:14
